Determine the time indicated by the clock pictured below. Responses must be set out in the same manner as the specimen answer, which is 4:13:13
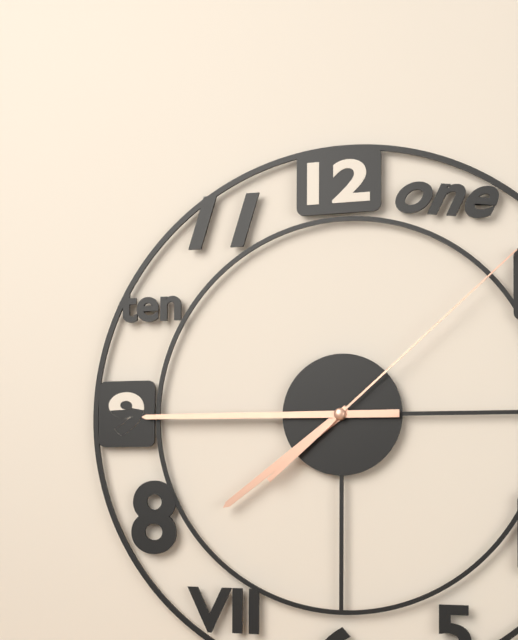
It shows 7:45:08
